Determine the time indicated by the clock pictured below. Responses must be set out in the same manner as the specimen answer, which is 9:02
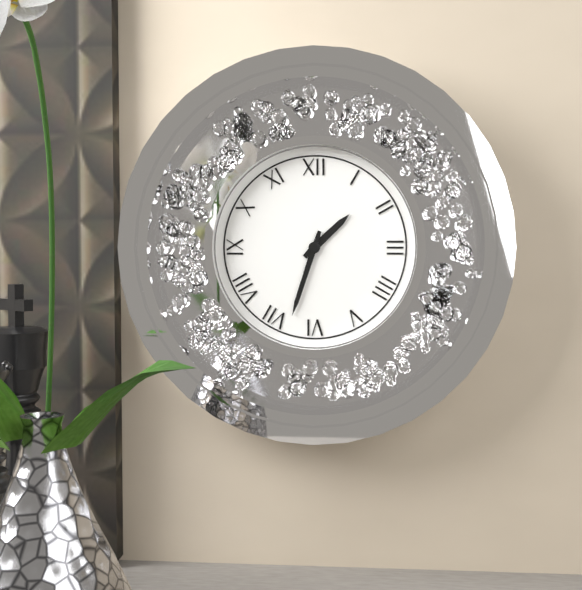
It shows 1:33
